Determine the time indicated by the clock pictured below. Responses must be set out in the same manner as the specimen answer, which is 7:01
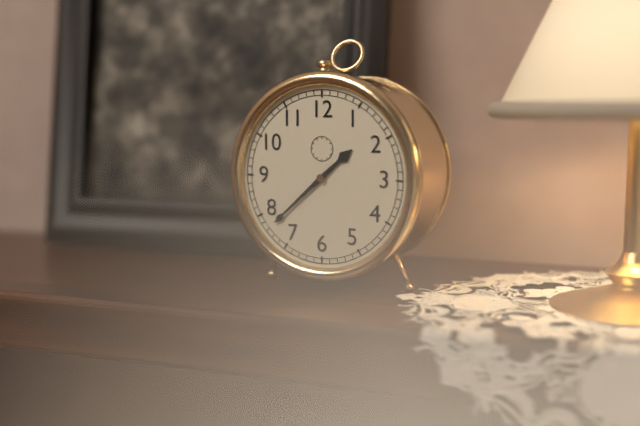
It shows 1:38
